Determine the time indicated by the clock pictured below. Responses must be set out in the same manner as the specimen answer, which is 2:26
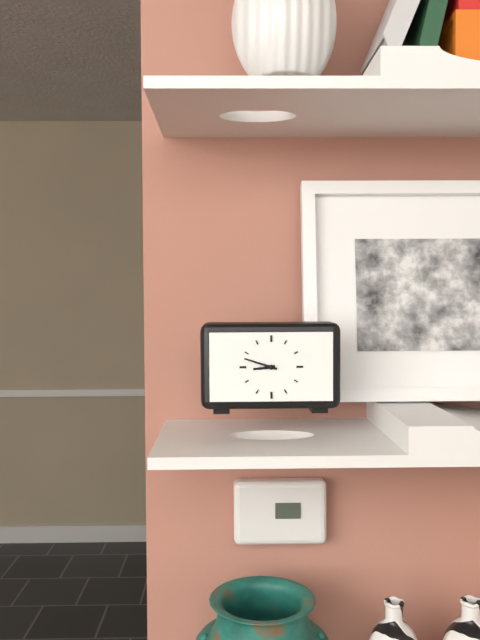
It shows 8:48
